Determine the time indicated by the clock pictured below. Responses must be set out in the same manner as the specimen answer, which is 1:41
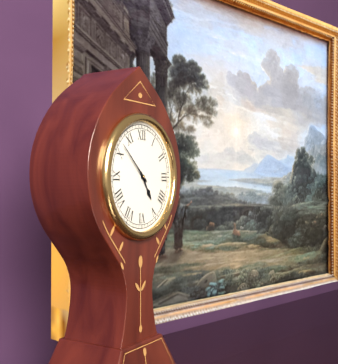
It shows 4:52
